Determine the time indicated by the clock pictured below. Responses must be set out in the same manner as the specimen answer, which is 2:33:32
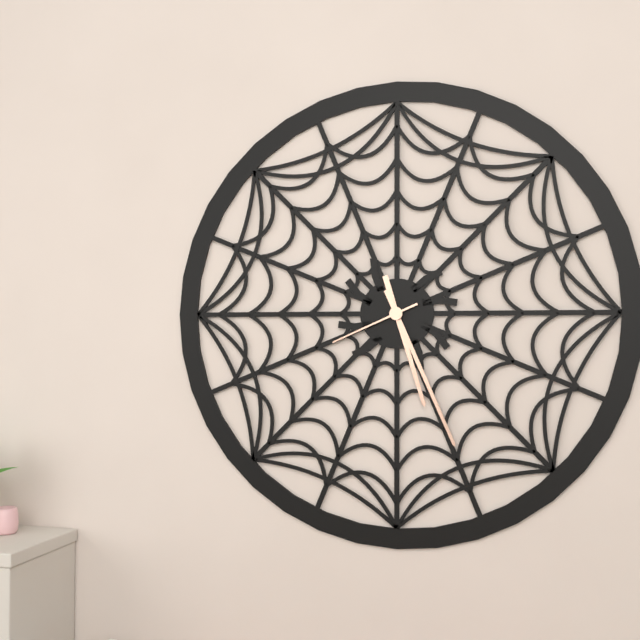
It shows 5:26:41
